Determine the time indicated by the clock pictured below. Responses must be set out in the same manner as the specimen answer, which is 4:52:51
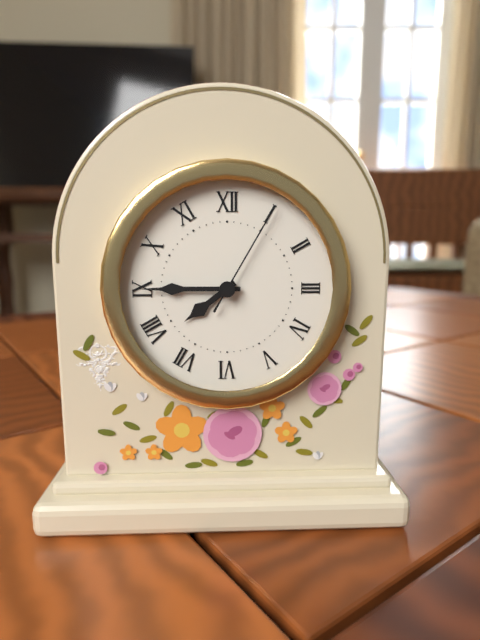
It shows 7:45:05
